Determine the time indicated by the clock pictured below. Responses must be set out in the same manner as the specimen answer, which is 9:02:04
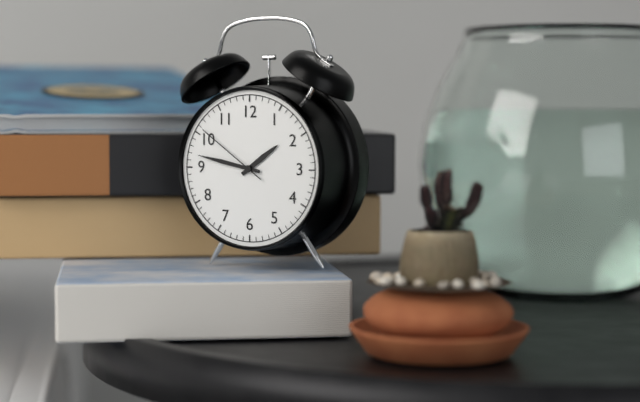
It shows 1:47:51
